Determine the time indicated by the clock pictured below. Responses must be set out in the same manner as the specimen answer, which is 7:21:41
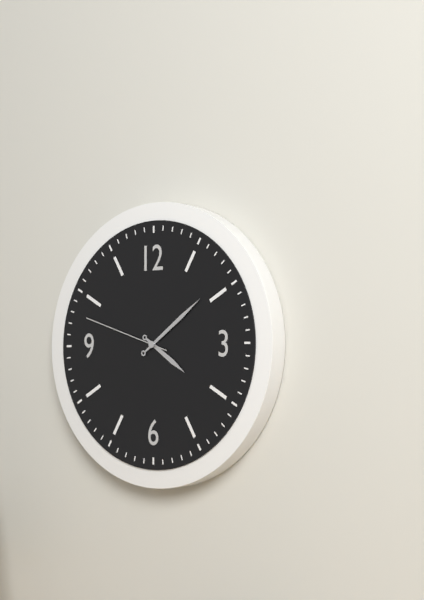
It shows 4:09:48
